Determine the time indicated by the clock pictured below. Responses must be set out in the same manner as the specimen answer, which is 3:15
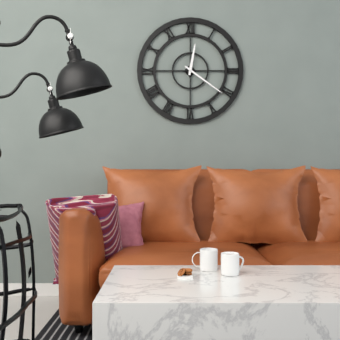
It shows 12:21
